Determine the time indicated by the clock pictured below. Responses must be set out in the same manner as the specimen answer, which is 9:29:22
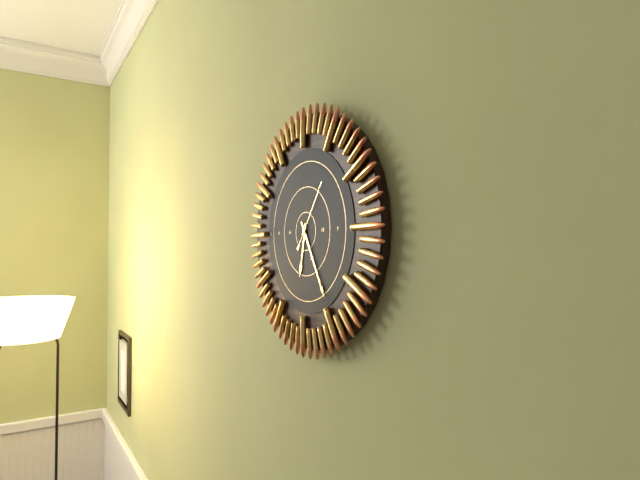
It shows 6:25:06
